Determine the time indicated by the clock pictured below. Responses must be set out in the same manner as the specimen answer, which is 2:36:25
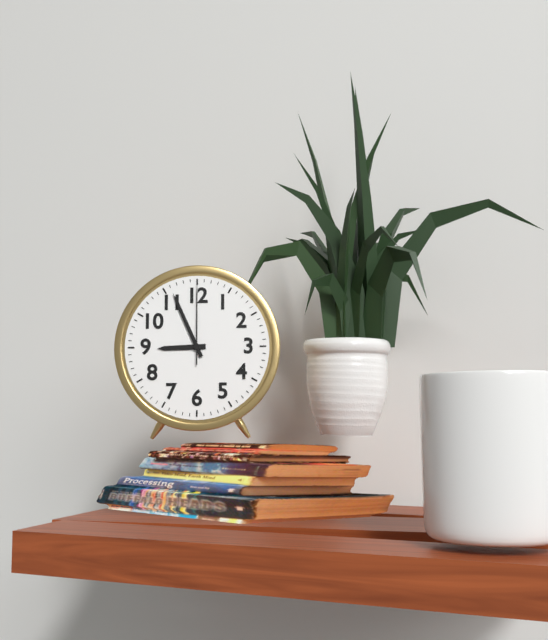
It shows 8:56:00
